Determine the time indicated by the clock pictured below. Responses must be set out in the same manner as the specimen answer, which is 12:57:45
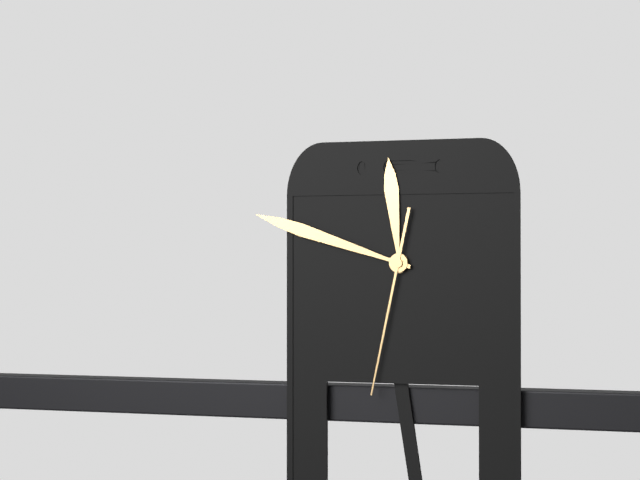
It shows 11:48:32
